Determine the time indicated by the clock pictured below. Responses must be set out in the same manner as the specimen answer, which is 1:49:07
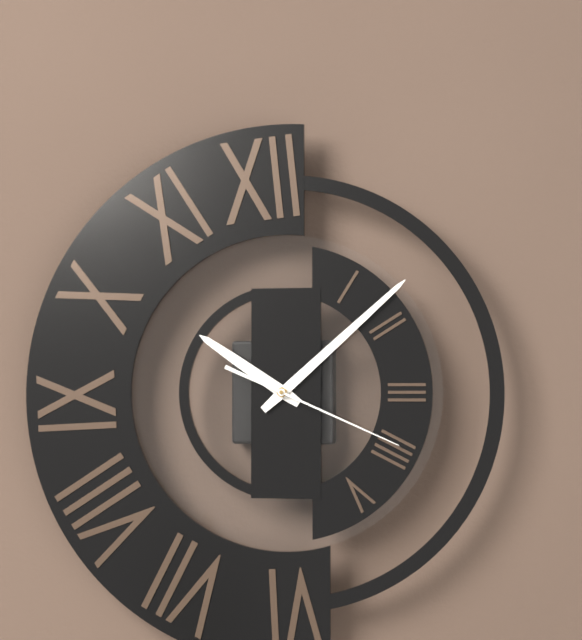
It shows 10:08:19
